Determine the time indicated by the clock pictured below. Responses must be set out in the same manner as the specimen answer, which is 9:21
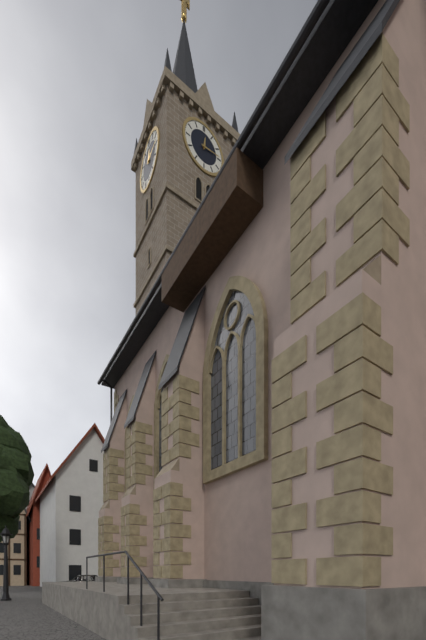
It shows 12:14
